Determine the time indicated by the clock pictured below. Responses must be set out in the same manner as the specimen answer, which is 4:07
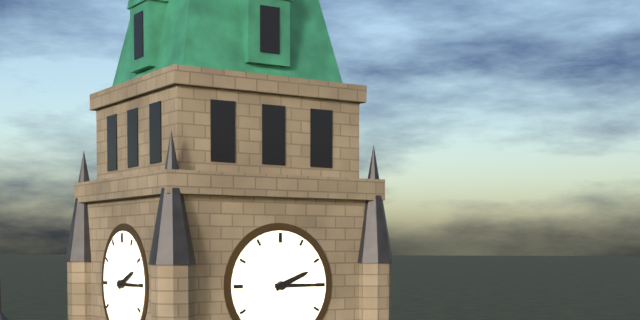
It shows 2:15
